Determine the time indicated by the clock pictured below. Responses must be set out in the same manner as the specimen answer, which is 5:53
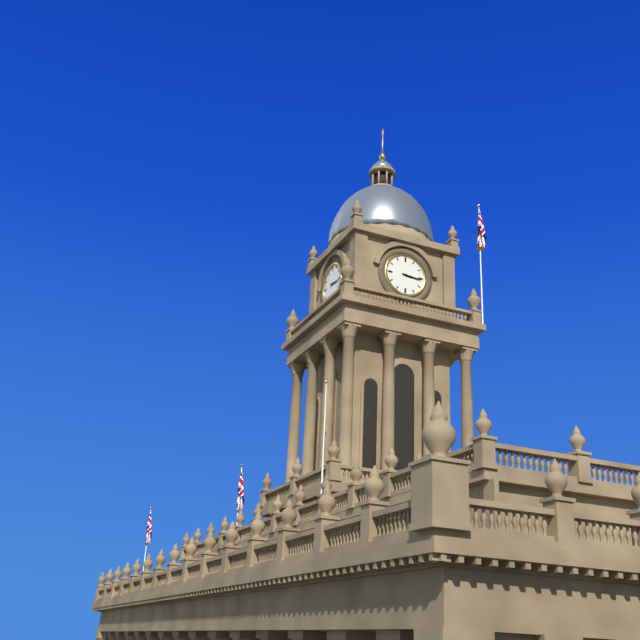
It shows 3:16
